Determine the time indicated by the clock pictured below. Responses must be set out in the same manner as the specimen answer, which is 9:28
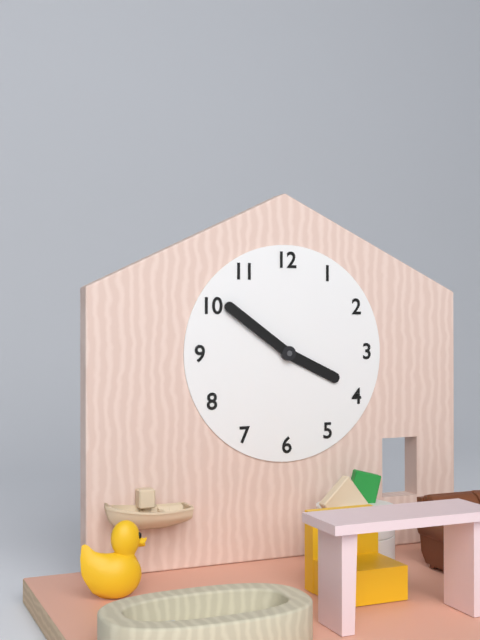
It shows 3:51
